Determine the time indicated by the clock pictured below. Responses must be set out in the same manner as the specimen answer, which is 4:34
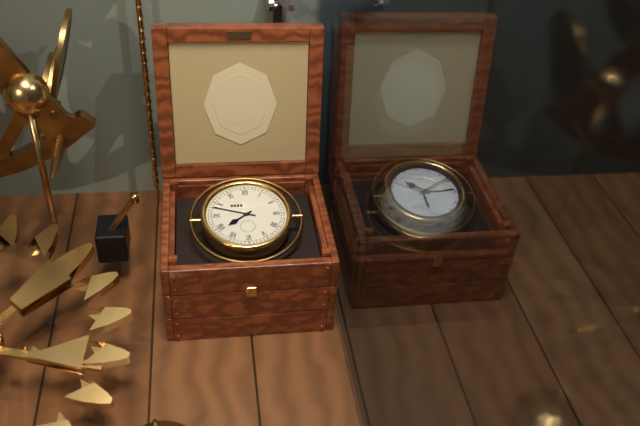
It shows 7:48
